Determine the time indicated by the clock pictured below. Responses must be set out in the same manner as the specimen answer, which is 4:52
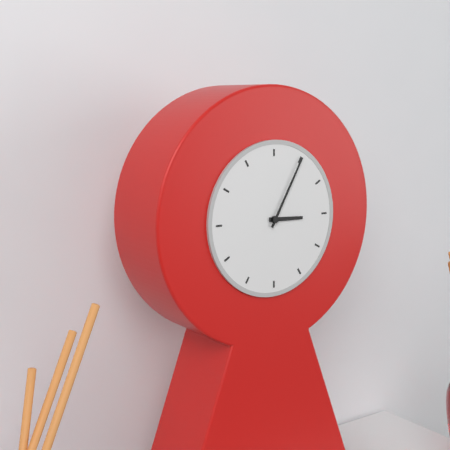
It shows 3:05
